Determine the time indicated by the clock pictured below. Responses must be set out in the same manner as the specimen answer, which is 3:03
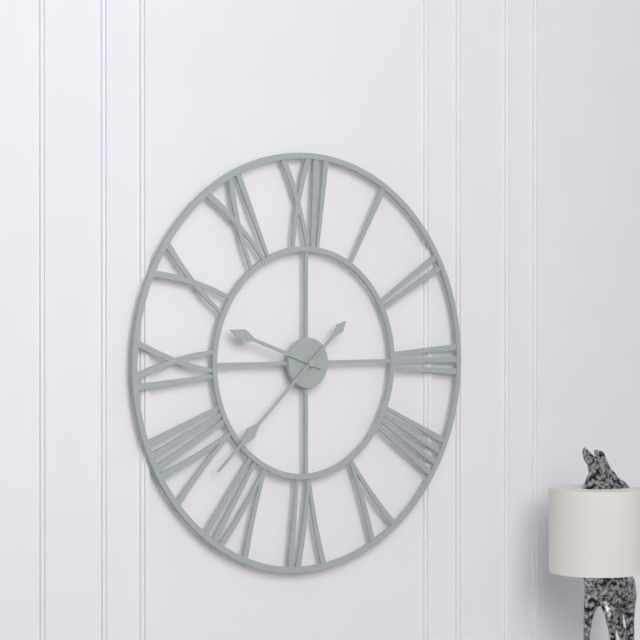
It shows 9:38
